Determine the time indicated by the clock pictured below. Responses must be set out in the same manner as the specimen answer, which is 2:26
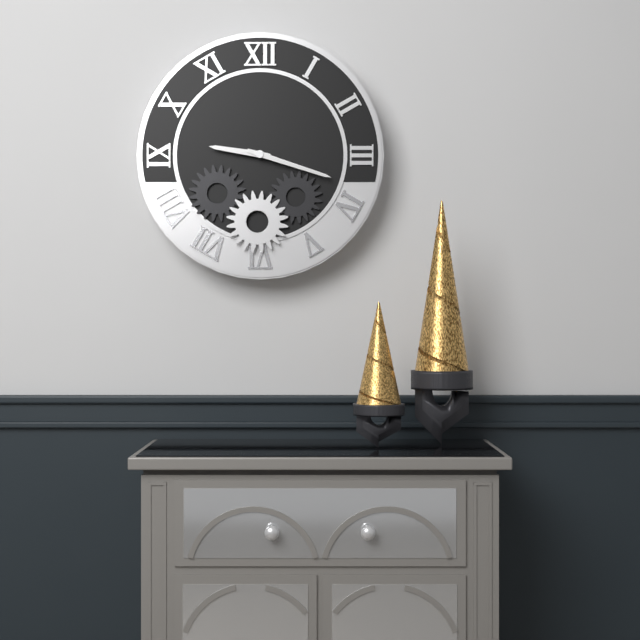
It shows 9:18
